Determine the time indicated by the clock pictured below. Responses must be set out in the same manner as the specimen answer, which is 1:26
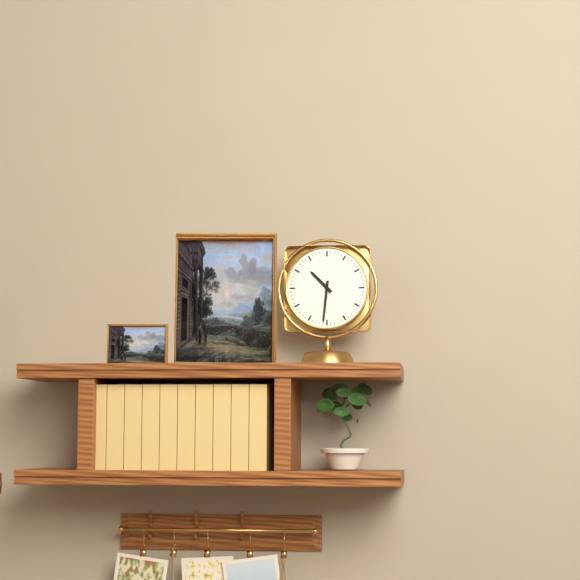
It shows 10:31
